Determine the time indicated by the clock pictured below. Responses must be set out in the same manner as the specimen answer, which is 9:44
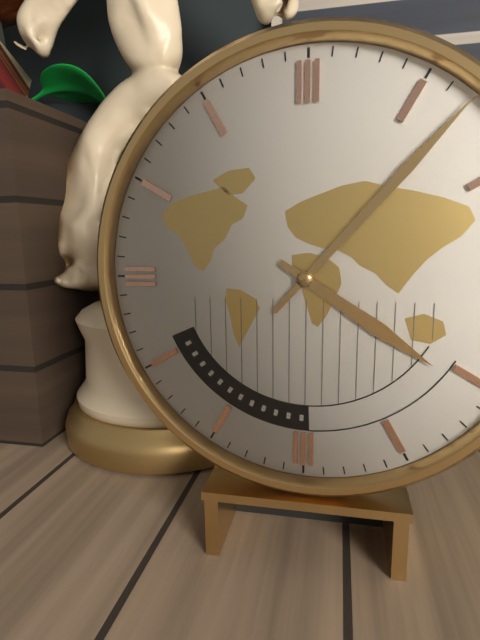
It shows 4:07
